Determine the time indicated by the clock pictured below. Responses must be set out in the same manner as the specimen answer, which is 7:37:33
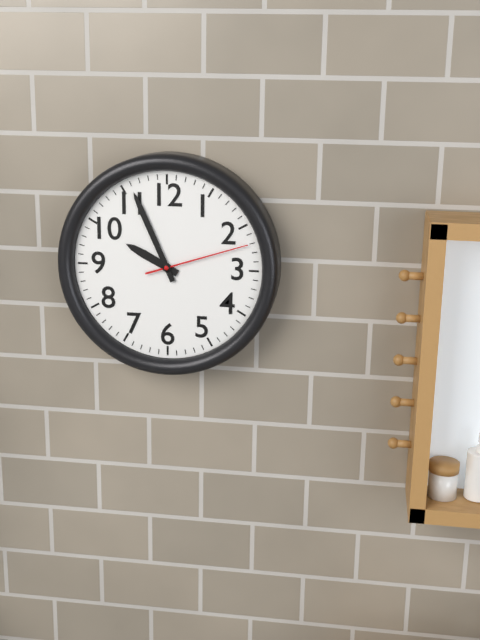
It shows 9:56:12
